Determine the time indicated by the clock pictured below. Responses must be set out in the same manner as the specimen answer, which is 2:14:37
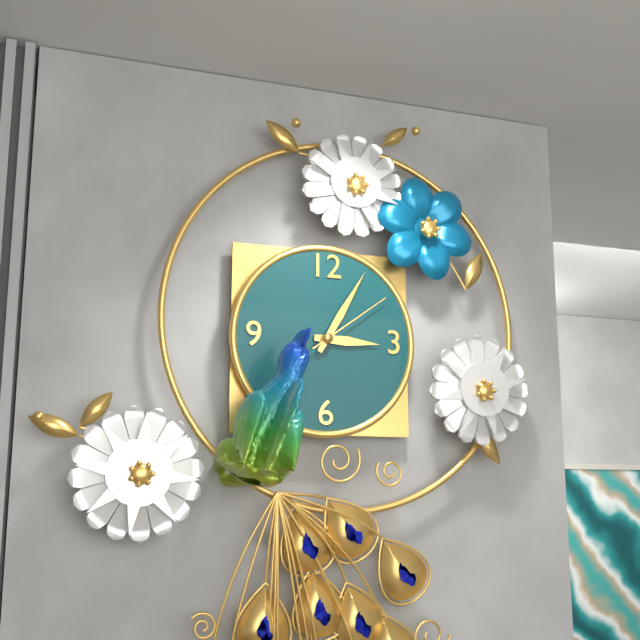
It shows 3:05:09
